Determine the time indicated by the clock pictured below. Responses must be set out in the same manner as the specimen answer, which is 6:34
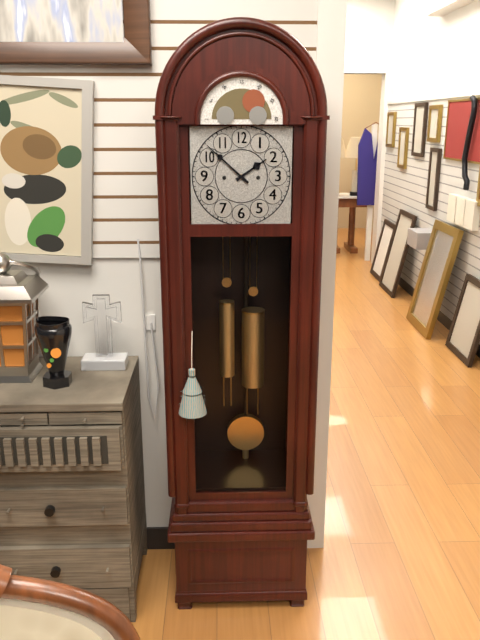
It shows 1:52
